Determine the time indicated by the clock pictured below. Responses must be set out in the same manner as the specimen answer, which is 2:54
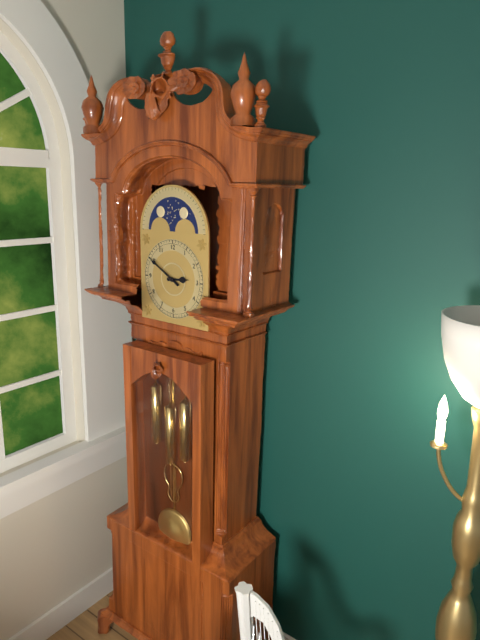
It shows 2:50
